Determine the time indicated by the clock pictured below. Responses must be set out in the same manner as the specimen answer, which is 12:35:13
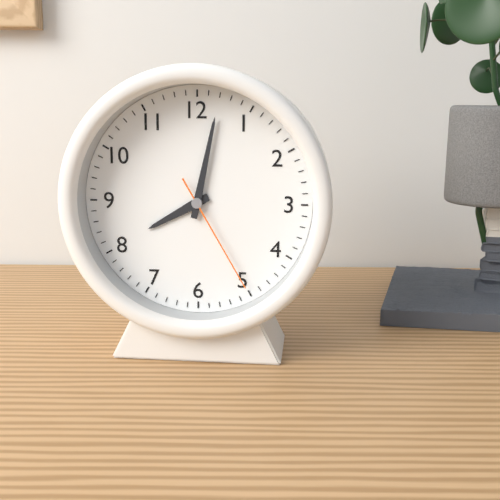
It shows 8:02:25
